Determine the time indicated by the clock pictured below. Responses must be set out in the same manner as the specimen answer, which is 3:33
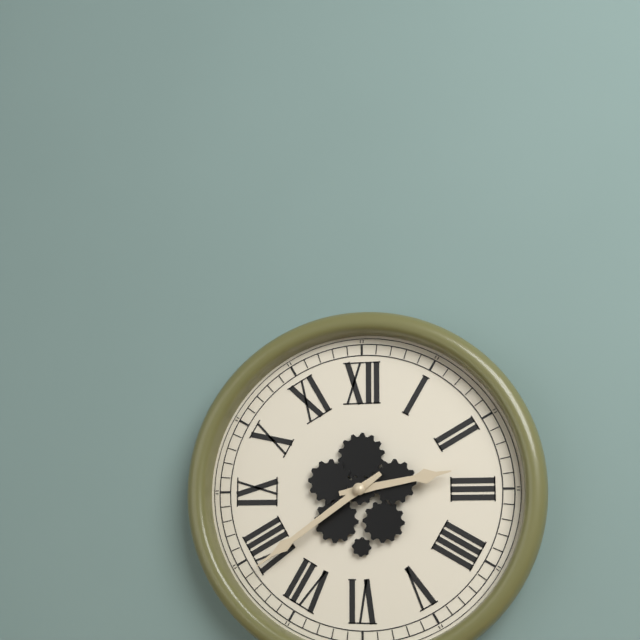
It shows 2:39
